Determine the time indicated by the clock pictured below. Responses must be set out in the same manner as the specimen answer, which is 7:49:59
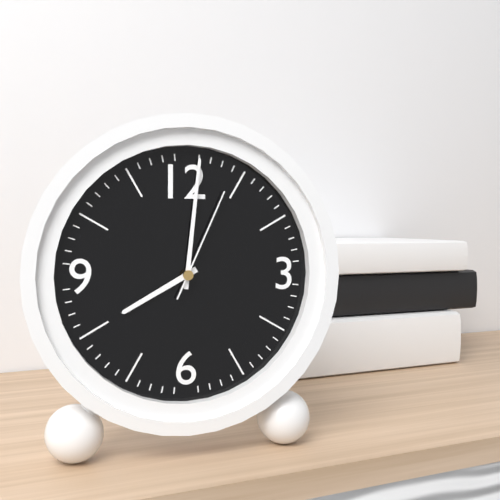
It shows 8:01:04
